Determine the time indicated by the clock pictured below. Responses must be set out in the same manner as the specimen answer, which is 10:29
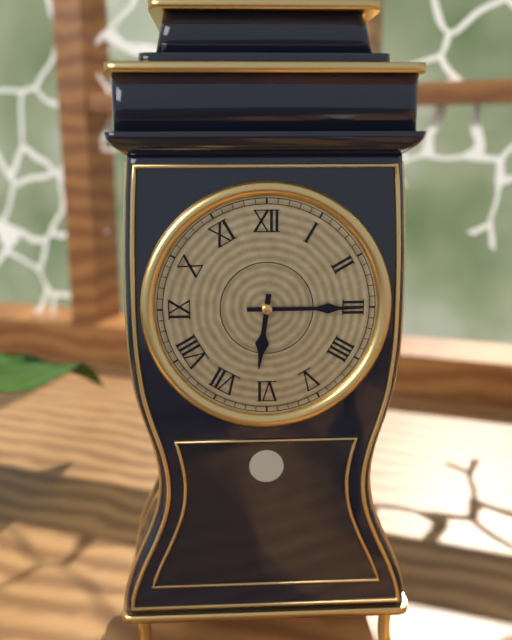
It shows 6:15
